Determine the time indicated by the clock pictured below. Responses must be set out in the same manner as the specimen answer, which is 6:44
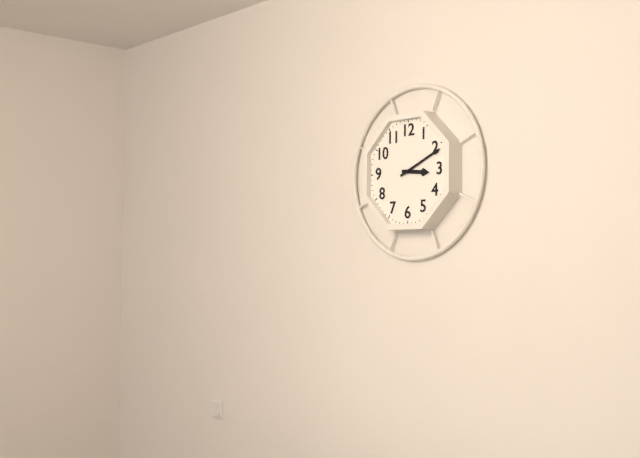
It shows 3:11
